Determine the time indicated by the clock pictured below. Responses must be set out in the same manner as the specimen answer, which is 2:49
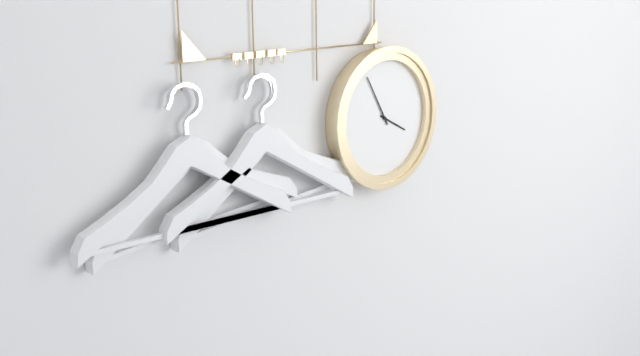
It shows 3:55
